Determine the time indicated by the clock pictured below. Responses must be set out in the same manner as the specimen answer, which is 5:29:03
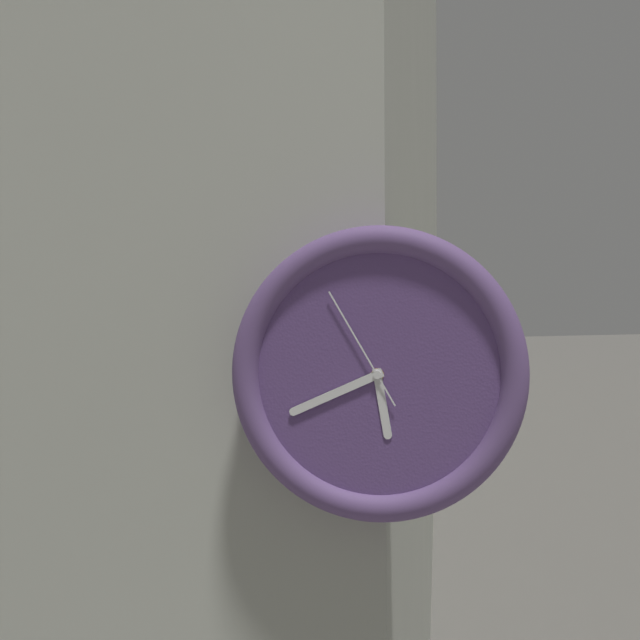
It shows 5:41:55
